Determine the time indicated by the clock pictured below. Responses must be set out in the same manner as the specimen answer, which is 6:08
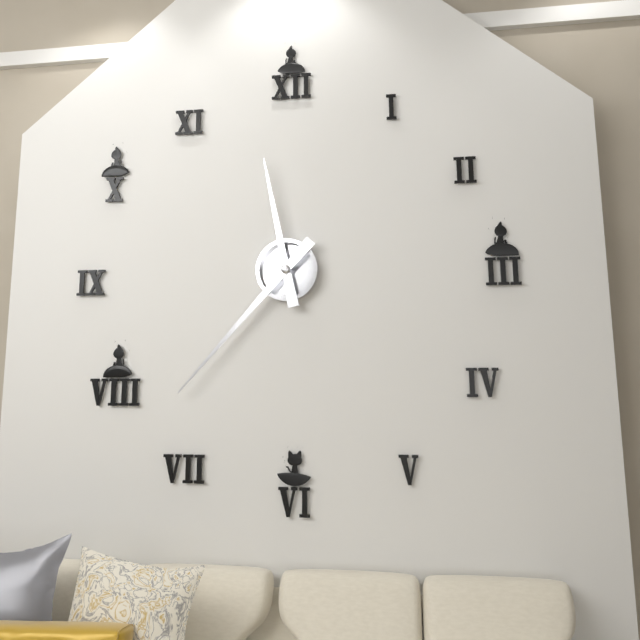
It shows 11:37
